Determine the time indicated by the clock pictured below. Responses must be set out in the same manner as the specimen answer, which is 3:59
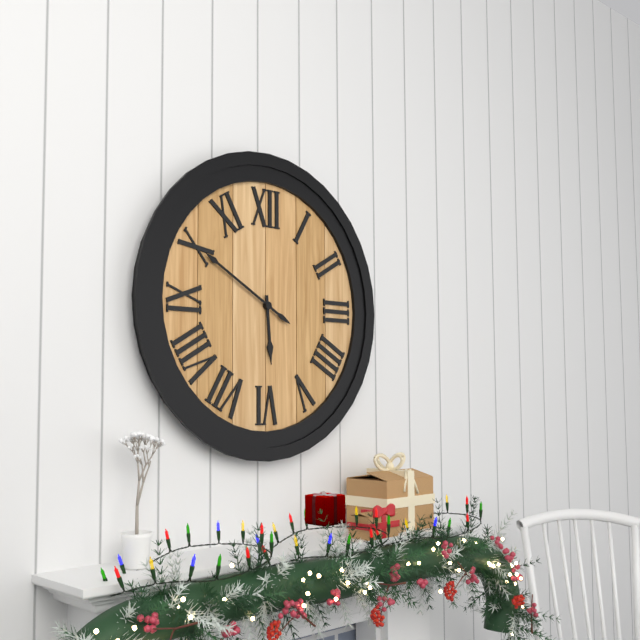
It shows 5:50
